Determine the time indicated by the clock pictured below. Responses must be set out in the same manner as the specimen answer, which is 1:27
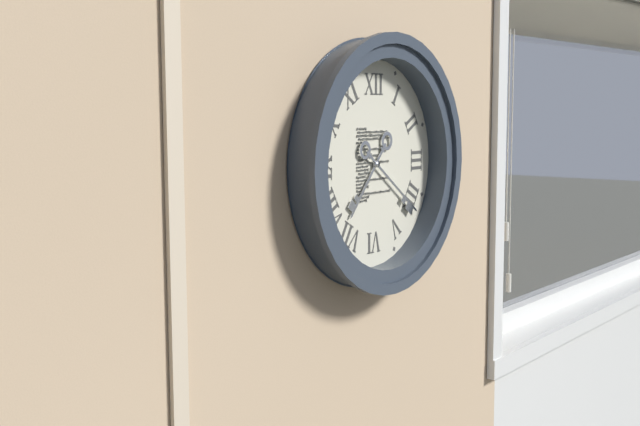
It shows 7:21
